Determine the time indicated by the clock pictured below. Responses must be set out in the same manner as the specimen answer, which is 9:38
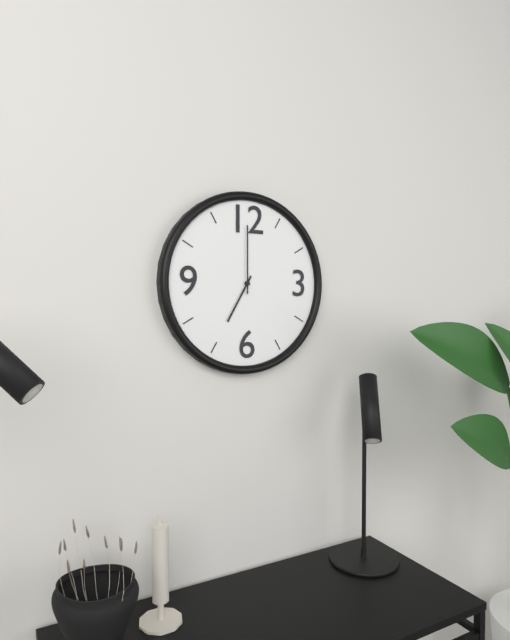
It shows 7:00
